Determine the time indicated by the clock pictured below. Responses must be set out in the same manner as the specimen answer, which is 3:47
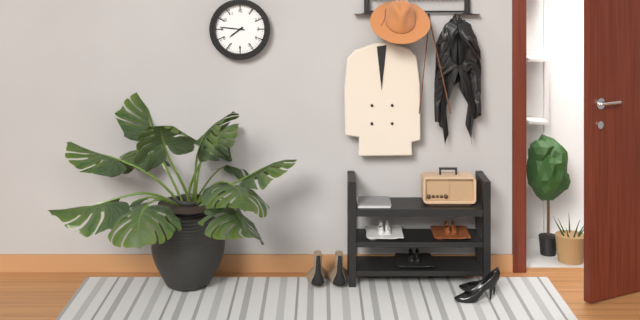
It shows 7:46
